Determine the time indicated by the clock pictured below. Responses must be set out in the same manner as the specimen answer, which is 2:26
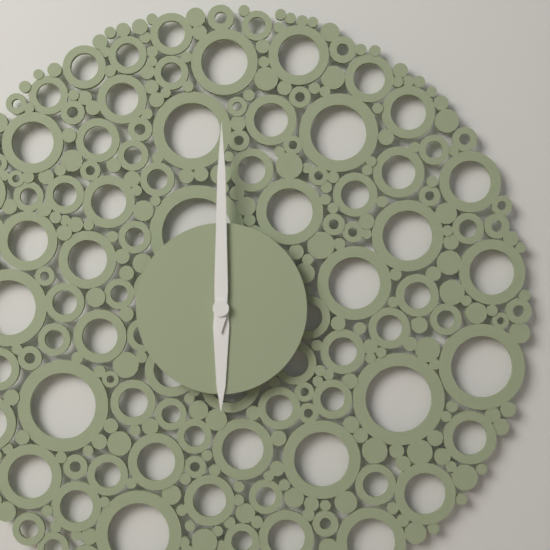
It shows 6:00
